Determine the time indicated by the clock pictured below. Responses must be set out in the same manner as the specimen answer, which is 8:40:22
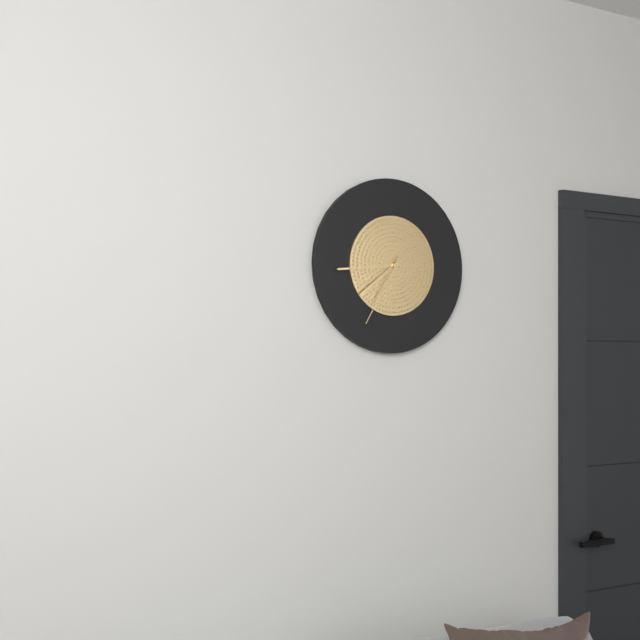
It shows 7:44:35
